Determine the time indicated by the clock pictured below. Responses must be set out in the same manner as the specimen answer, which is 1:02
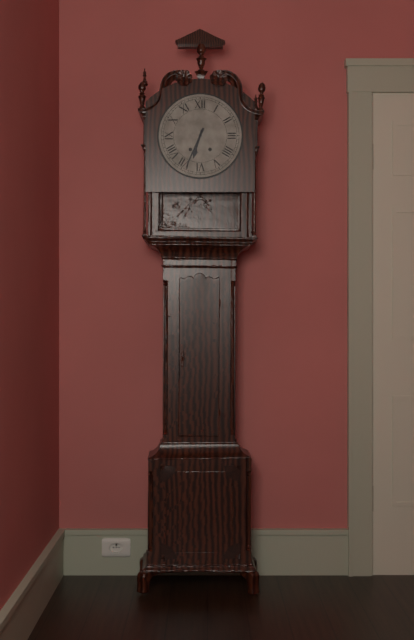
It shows 6:34
